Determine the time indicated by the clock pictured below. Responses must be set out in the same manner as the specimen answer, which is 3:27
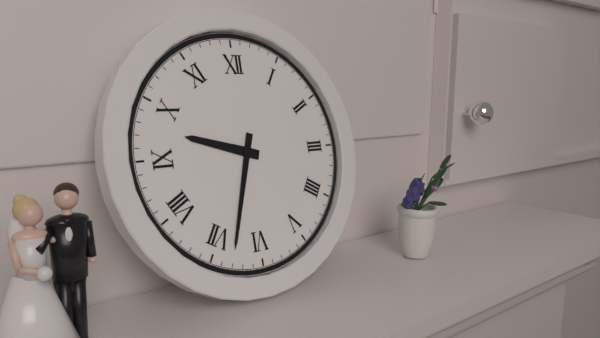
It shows 9:33
